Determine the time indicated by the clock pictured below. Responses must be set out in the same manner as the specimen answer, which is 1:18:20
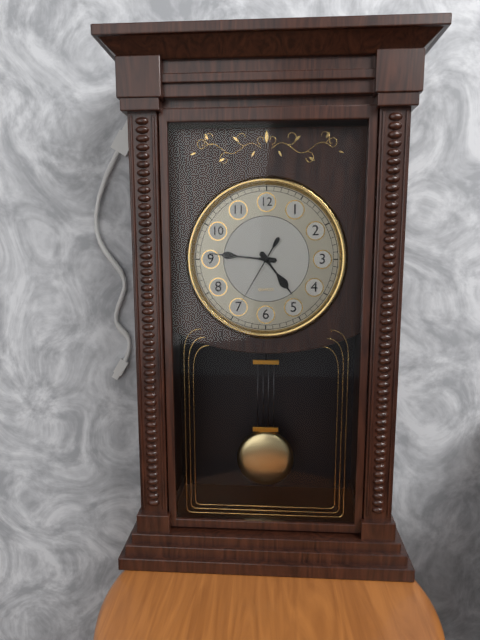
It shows 4:46:35
